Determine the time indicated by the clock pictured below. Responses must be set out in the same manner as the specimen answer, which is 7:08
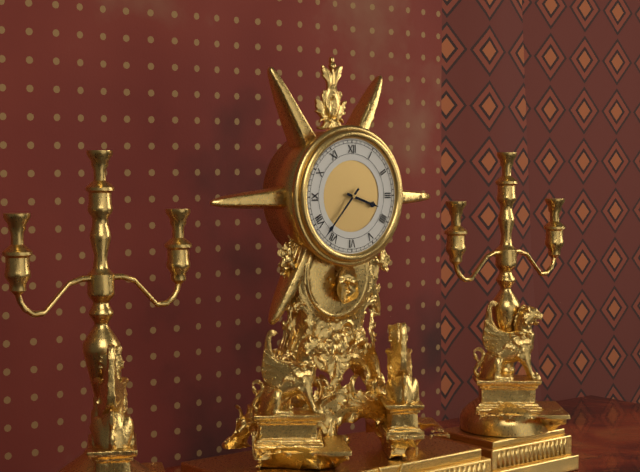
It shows 3:37
